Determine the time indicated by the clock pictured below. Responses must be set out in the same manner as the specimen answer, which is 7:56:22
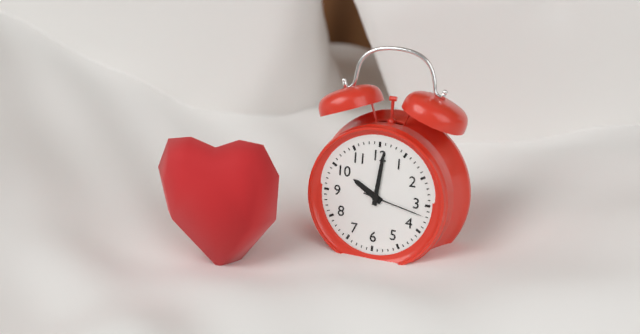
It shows 10:01:17
